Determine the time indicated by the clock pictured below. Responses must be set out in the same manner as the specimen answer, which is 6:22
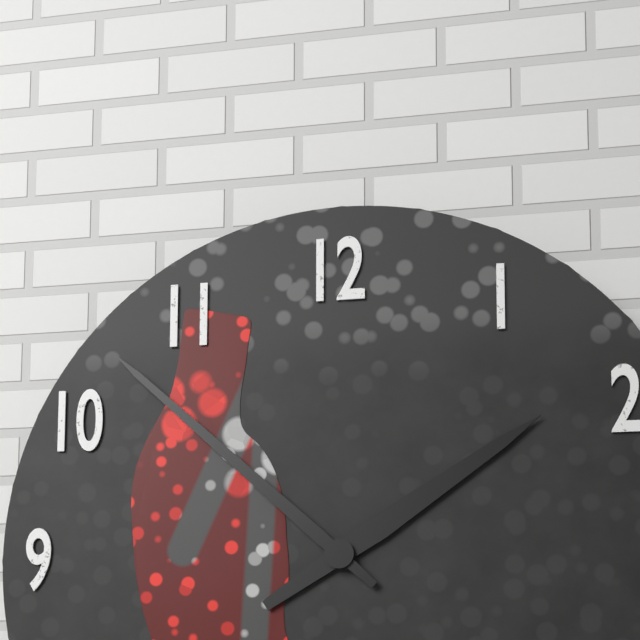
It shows 1:52
